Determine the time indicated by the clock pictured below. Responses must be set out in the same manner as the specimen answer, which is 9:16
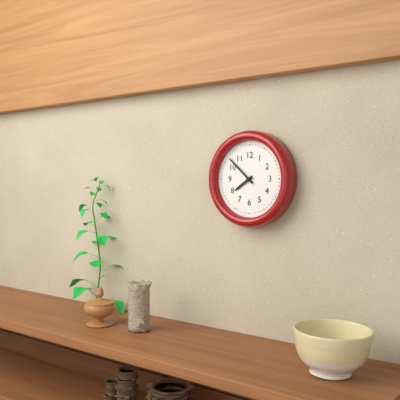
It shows 7:52
